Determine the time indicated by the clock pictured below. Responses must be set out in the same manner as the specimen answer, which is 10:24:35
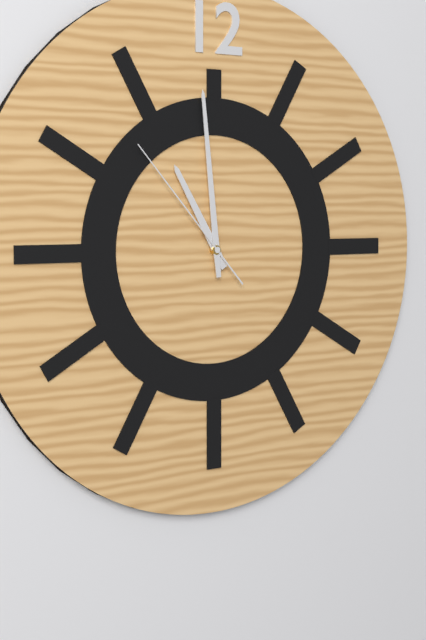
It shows 10:59:53
